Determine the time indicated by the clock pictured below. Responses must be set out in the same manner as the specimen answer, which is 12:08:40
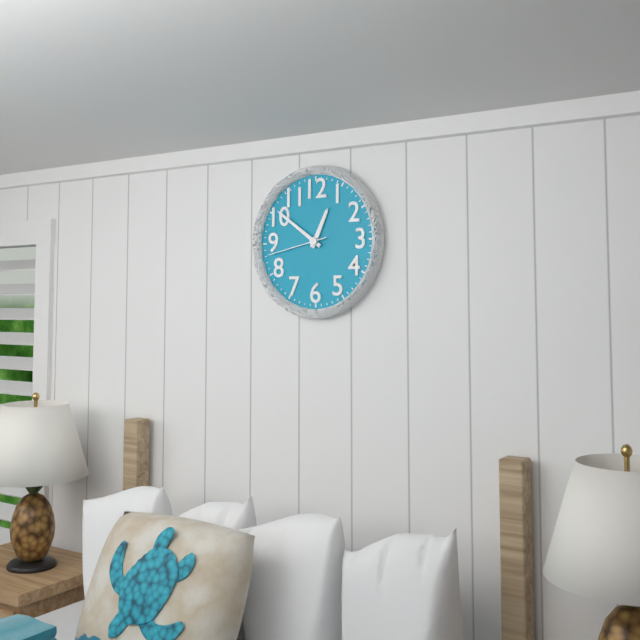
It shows 12:51:43
